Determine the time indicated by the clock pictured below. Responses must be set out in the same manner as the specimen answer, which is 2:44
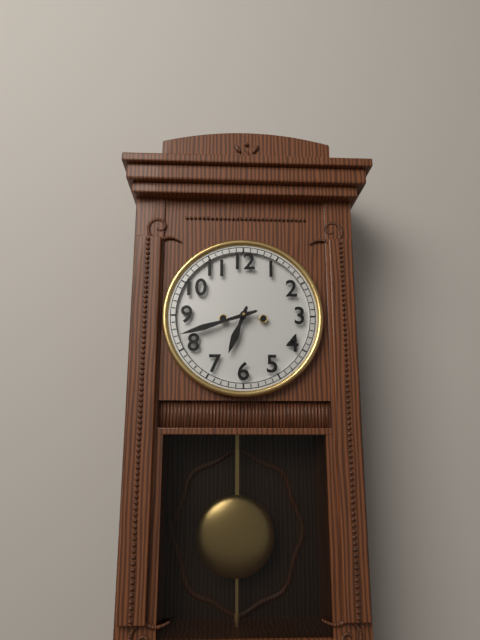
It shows 6:42
